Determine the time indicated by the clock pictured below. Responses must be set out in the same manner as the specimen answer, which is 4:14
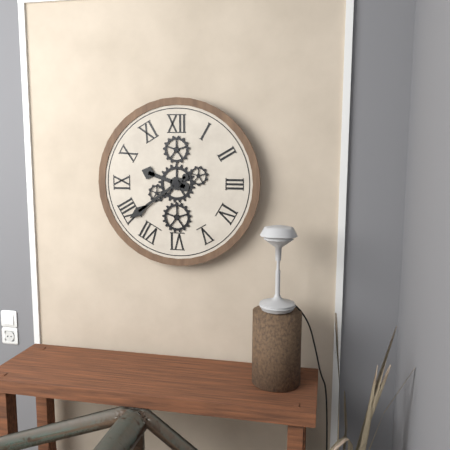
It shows 9:39
